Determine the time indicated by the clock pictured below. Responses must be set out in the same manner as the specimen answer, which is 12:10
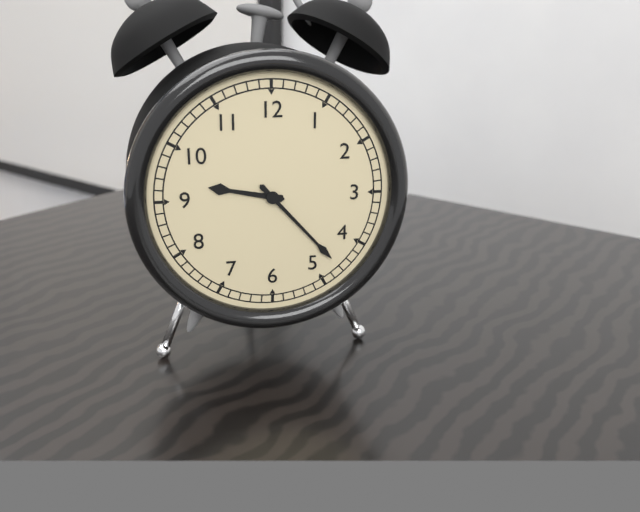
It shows 9:23
